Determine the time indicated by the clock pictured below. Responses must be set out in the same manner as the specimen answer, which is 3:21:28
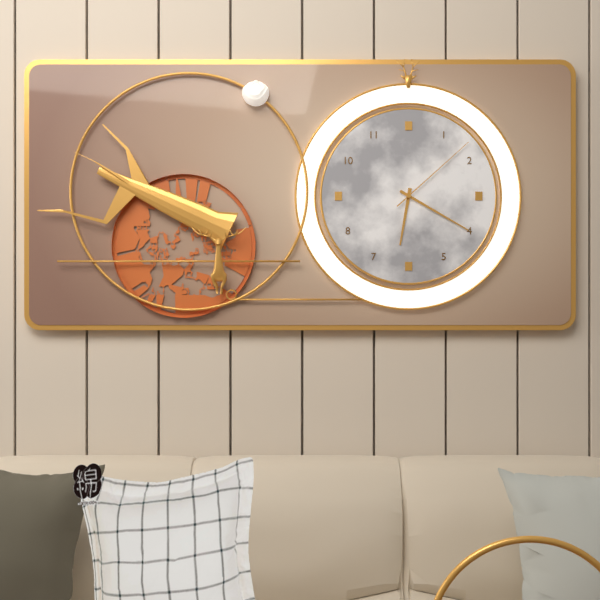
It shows 6:20:08
